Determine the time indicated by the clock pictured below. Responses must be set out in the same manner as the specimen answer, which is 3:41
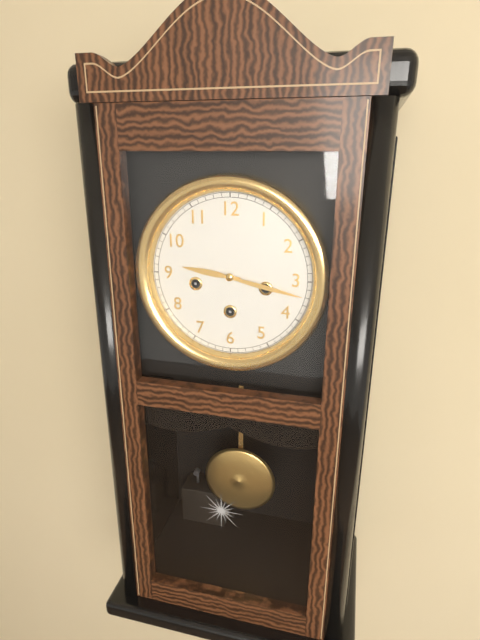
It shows 9:17
